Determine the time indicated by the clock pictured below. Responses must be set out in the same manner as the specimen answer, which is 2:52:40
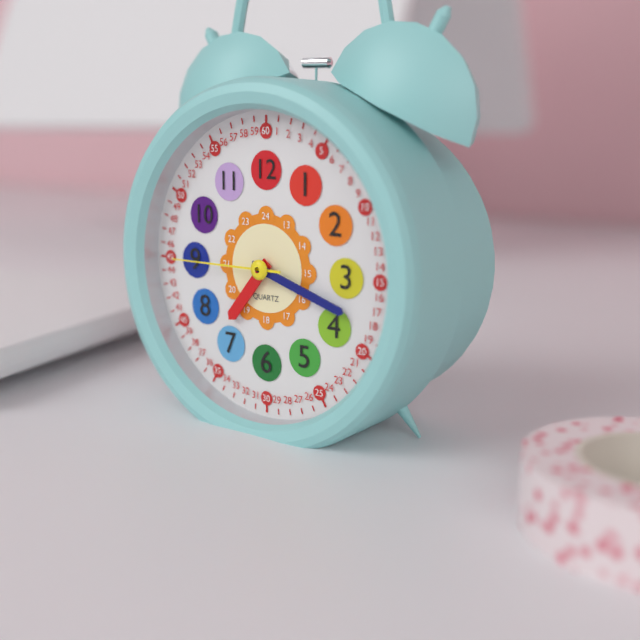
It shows 7:18:45
